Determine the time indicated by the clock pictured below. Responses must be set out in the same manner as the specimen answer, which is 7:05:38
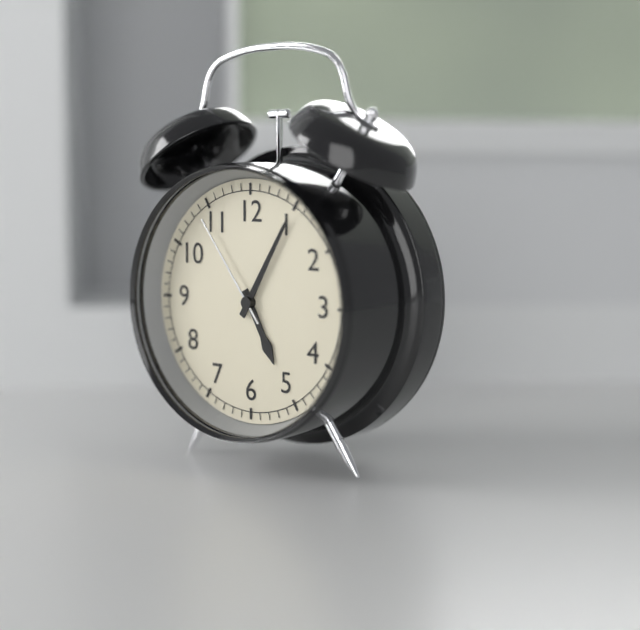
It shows 5:05:54
